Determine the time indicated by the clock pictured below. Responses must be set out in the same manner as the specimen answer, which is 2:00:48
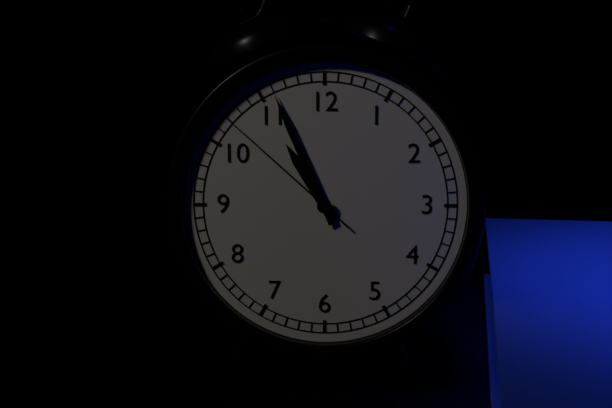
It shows 10:56:52
